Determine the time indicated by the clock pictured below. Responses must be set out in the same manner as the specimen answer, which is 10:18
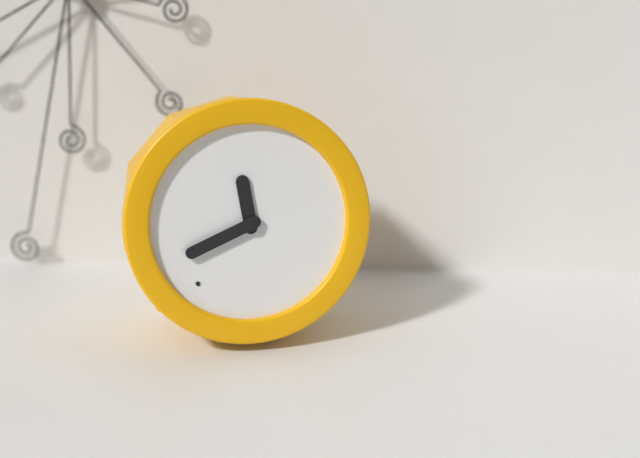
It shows 11:41
